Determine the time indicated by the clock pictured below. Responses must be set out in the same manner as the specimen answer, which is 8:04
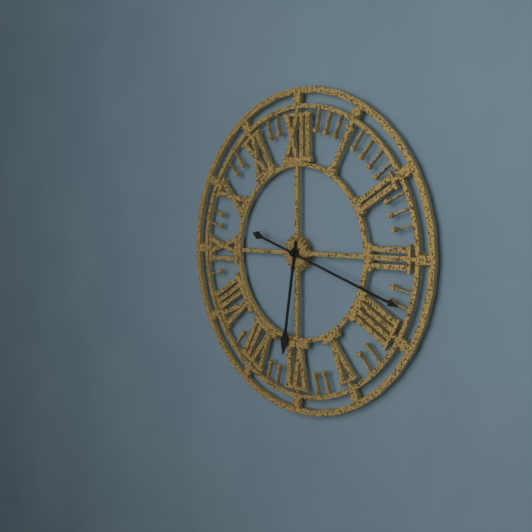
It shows 6:18
